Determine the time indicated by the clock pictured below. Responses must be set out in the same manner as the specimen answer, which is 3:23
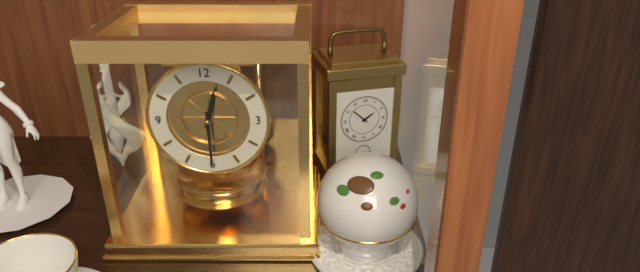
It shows 12:30
